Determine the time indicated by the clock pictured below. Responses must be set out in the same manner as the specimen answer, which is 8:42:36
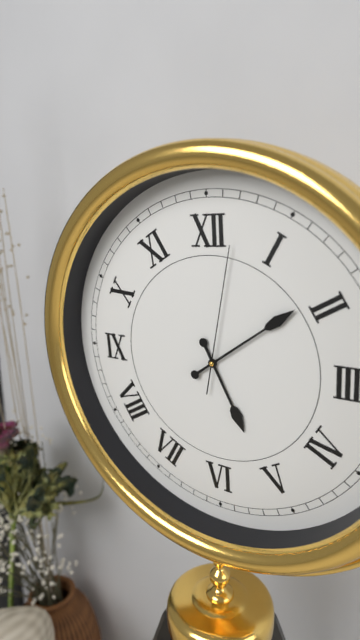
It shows 5:09:02
